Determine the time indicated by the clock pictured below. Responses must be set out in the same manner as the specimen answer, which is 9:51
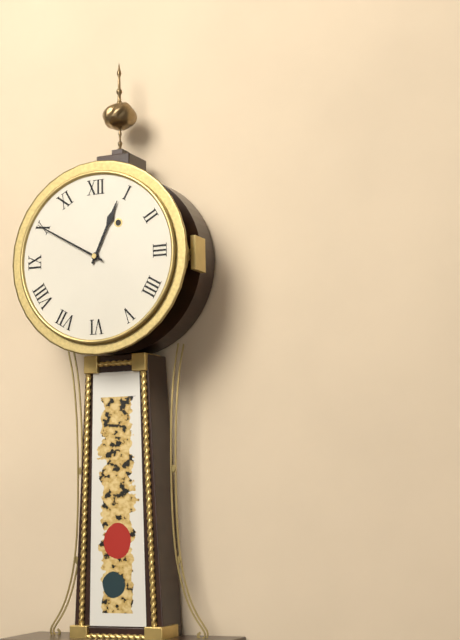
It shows 12:50
